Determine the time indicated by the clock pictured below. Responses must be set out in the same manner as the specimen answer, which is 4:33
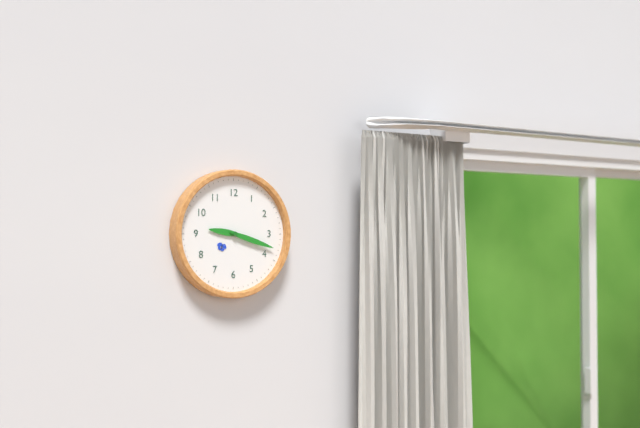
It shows 9:18
